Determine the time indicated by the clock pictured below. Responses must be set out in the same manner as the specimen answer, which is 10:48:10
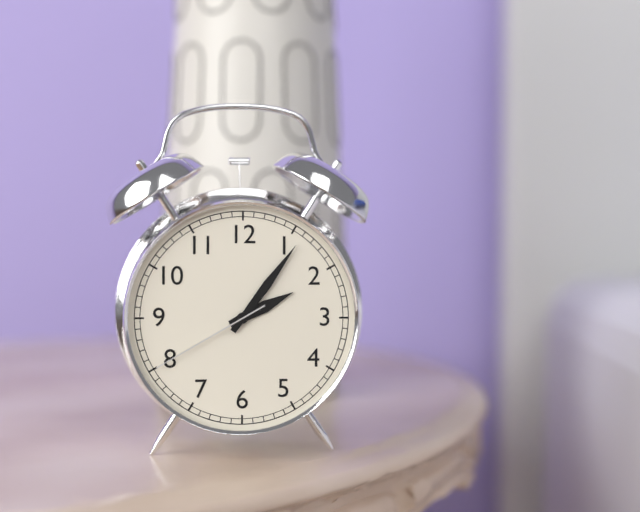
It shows 2:06:40
